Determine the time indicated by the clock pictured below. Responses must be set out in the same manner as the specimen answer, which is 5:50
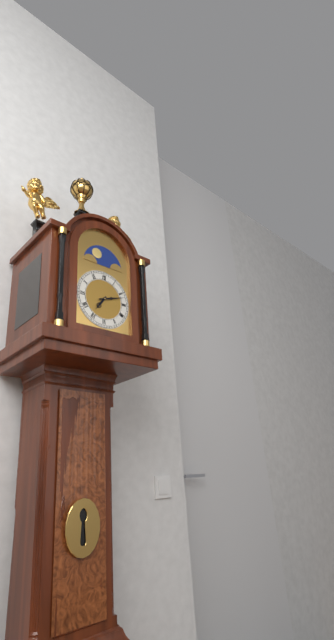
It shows 7:12
